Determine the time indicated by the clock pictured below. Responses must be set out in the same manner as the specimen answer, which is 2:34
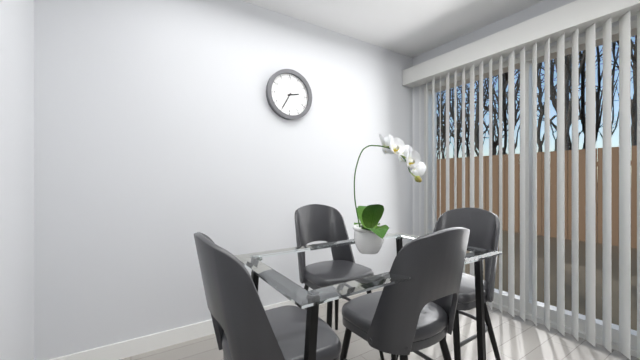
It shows 2:35
